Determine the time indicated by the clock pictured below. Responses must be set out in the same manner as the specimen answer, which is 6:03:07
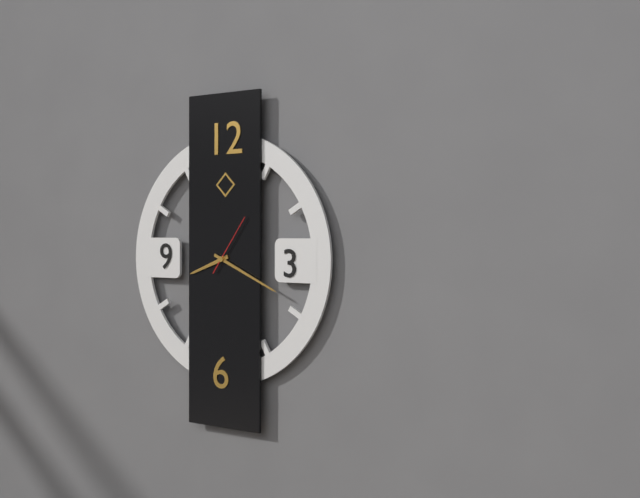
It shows 8:19:06
